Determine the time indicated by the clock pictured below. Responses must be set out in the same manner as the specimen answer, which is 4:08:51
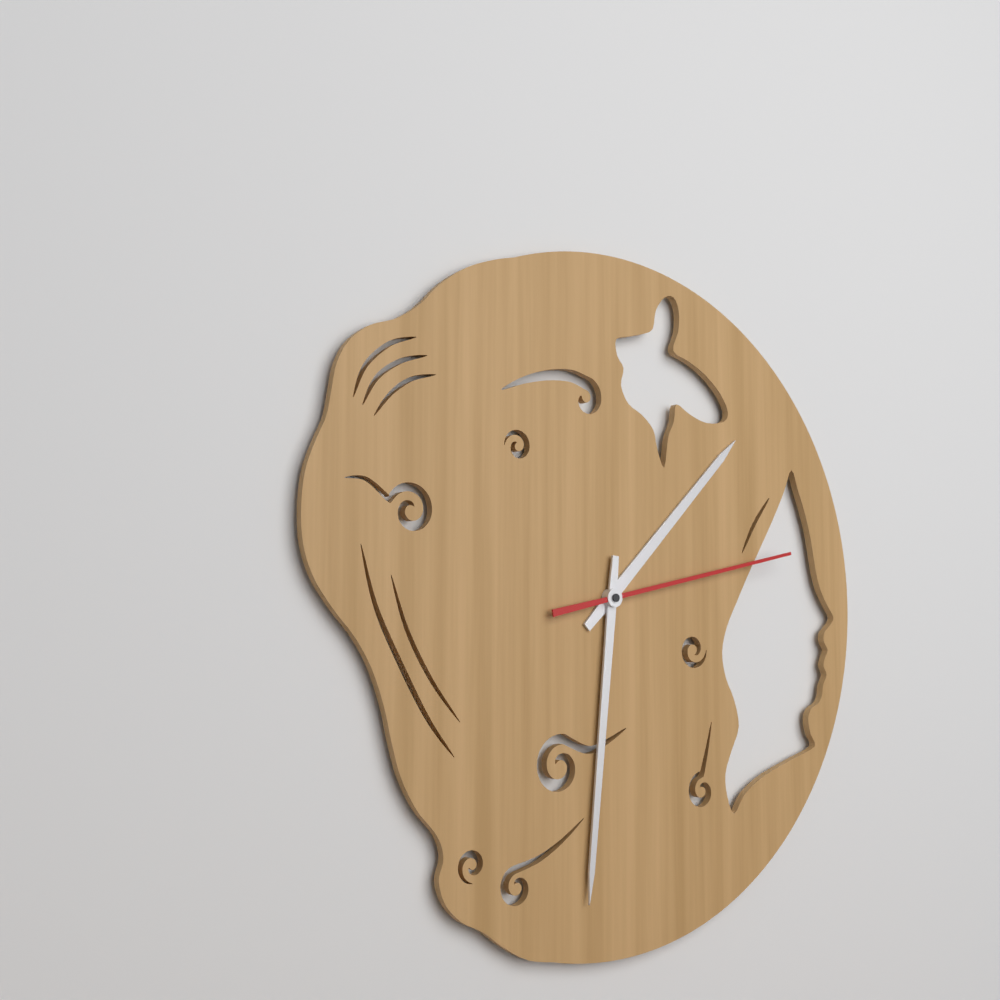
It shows 1:31:13
